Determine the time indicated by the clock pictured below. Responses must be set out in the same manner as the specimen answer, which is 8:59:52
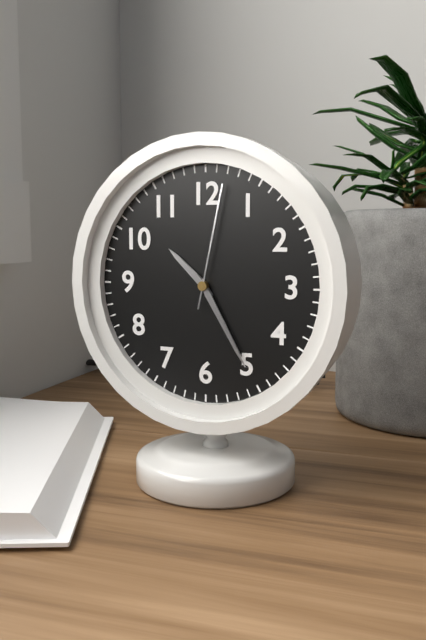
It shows 10:25:02
